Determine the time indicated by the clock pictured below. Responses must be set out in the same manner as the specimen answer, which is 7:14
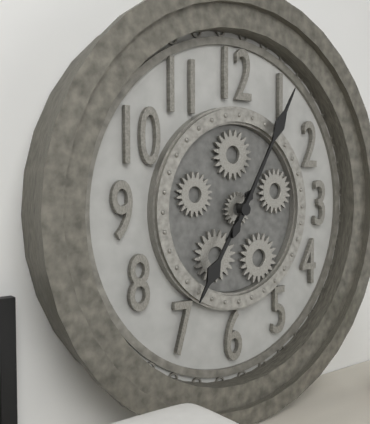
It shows 7:05
